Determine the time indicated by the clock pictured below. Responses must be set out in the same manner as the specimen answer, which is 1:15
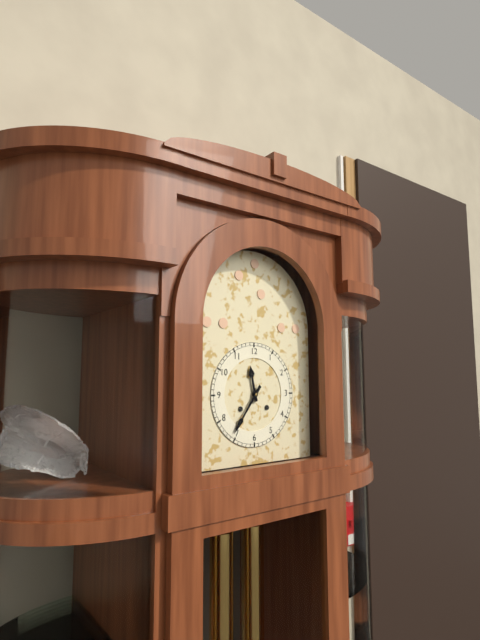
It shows 11:36
